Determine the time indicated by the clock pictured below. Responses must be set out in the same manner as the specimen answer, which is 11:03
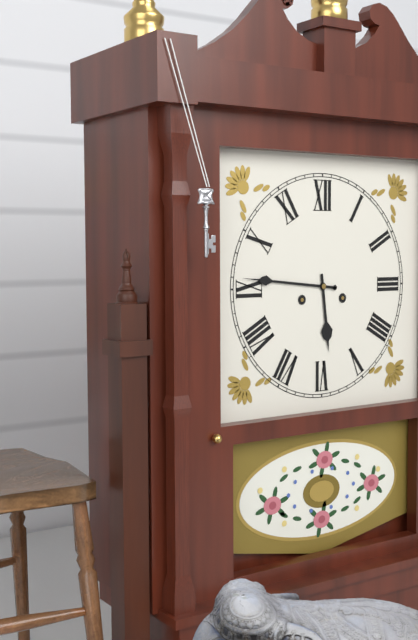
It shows 5:46
